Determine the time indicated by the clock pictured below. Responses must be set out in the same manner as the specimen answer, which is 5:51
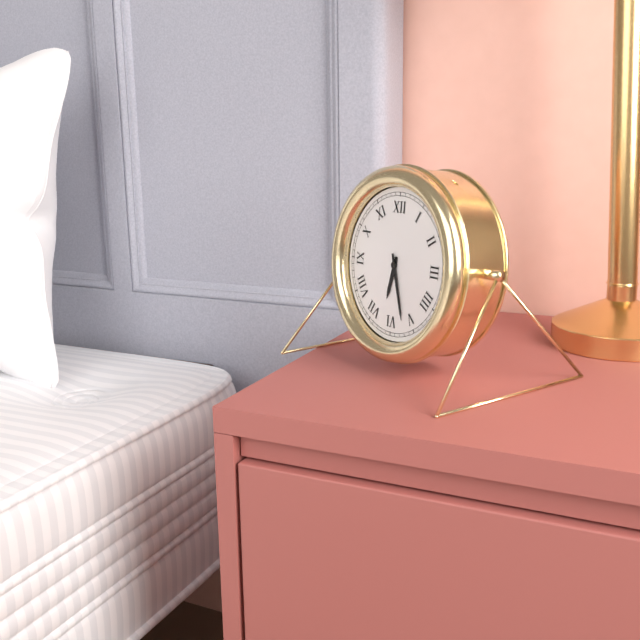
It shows 6:27
